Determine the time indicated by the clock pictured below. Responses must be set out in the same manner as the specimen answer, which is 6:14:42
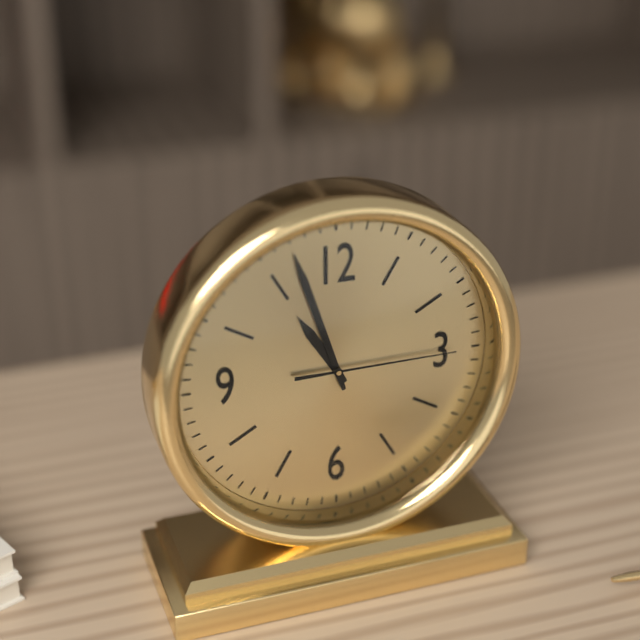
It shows 10:57:15
